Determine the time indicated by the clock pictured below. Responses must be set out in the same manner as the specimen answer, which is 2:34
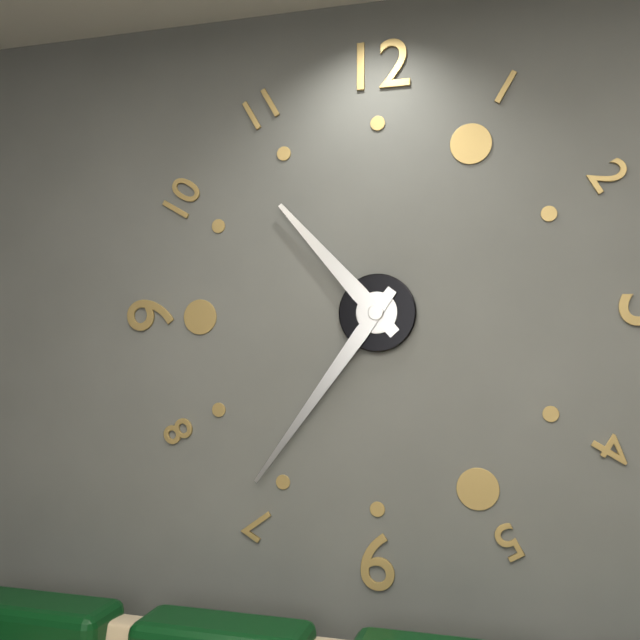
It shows 10:36
